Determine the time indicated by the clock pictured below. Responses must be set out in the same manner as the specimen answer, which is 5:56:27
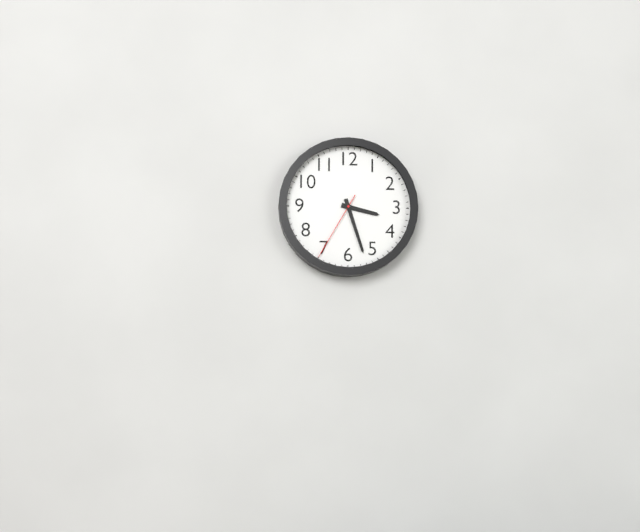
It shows 3:27:35
